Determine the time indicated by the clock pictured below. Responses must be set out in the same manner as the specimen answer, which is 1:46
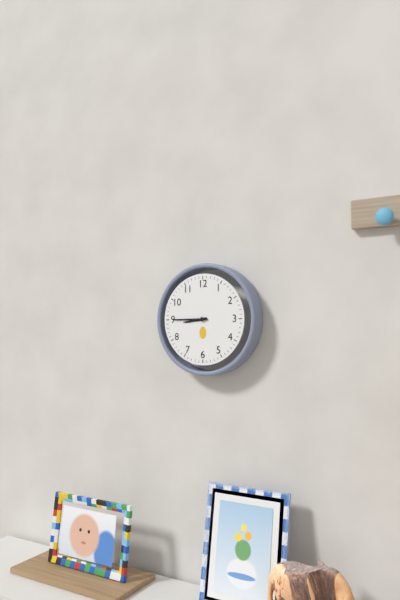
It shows 8:45
